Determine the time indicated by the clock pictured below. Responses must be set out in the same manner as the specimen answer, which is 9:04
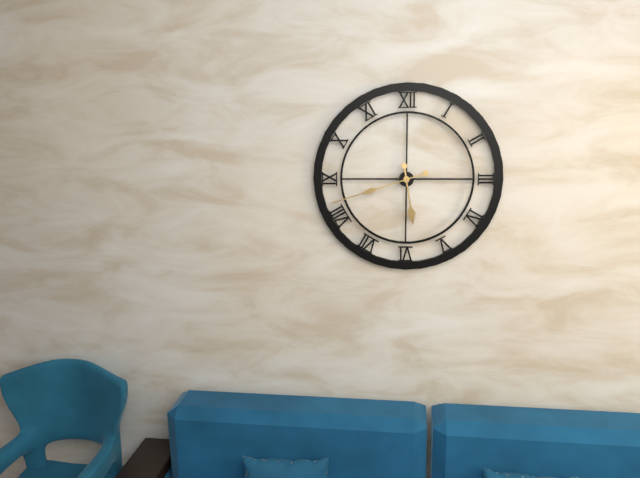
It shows 5:42
